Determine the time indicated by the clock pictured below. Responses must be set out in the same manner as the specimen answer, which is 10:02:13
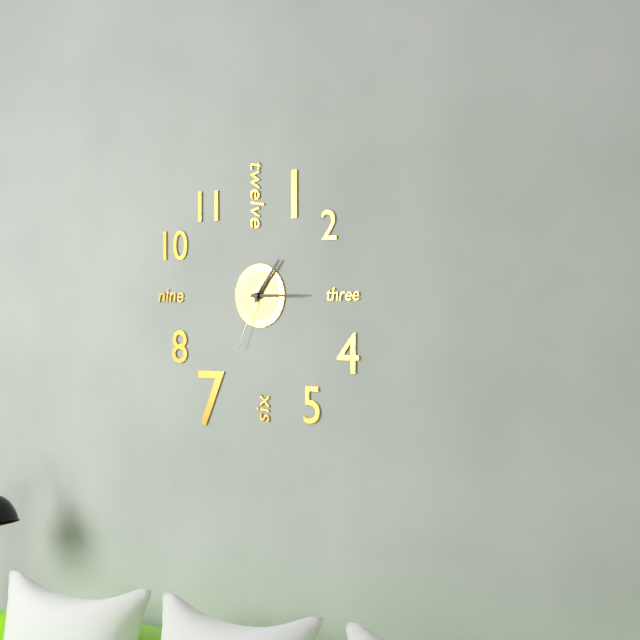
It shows 1:15:34
